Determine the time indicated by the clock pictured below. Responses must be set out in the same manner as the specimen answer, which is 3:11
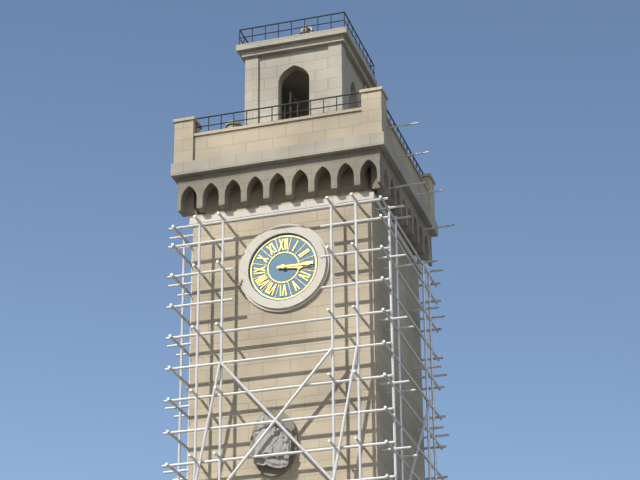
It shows 3:15
